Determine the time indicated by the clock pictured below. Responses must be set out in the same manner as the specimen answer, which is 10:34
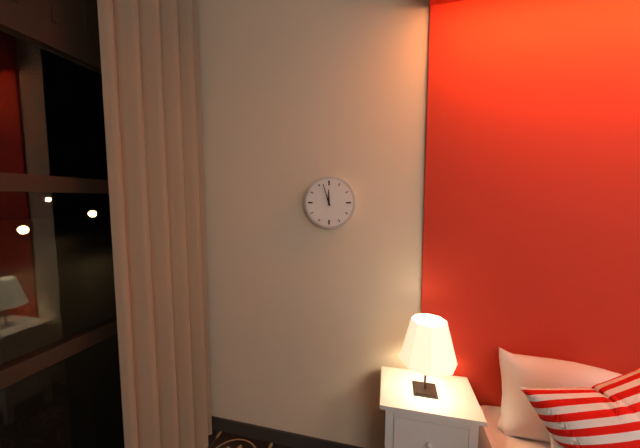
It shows 11:57
